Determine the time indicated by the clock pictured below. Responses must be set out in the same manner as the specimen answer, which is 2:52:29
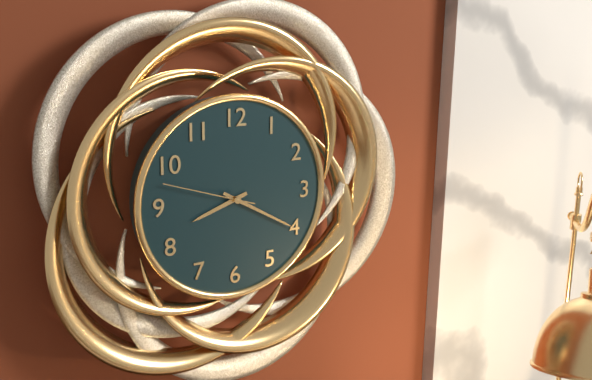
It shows 8:20:48
